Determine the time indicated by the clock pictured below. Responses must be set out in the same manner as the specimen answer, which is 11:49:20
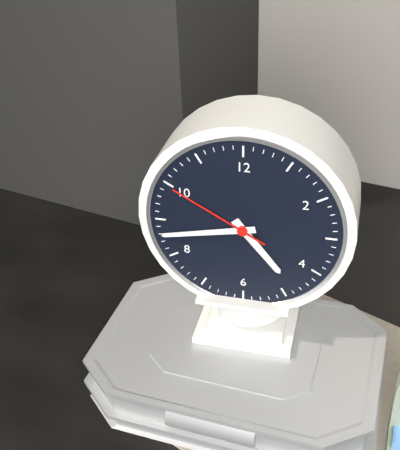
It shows 4:43:50
